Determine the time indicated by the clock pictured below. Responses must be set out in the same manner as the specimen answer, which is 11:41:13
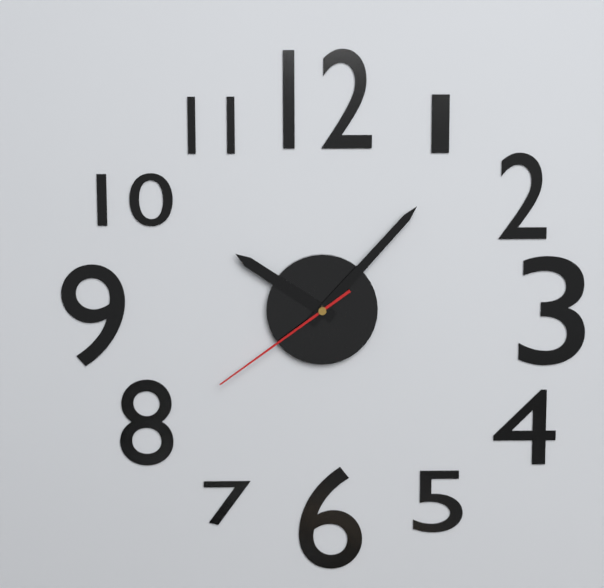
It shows 10:07:39
